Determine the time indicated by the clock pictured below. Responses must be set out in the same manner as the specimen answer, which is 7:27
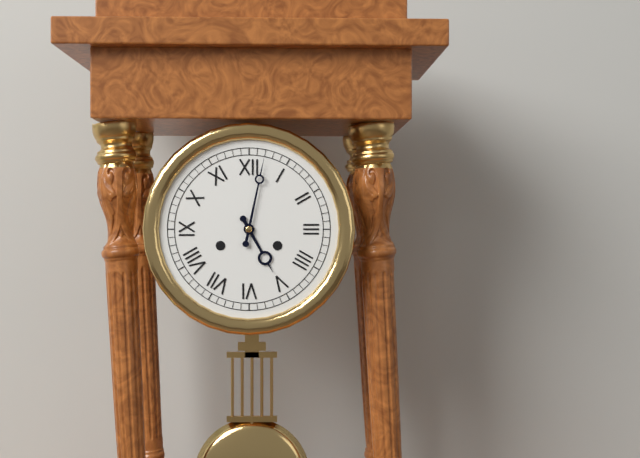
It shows 5:02
